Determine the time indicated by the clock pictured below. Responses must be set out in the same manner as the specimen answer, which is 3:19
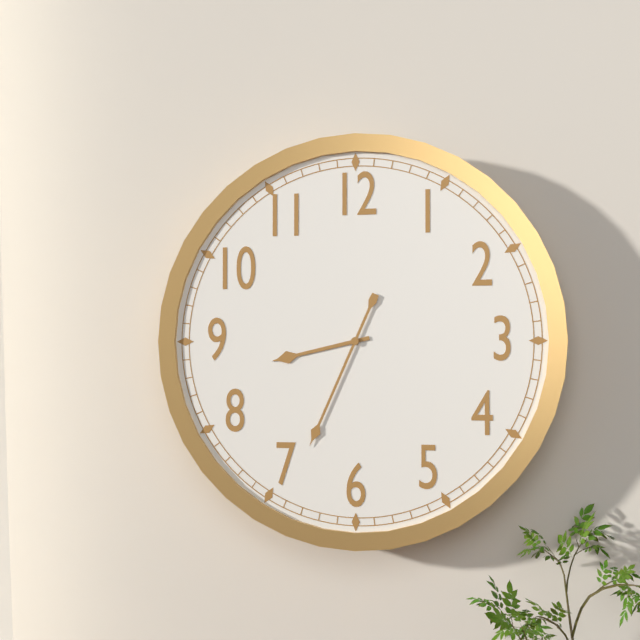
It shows 8:34
